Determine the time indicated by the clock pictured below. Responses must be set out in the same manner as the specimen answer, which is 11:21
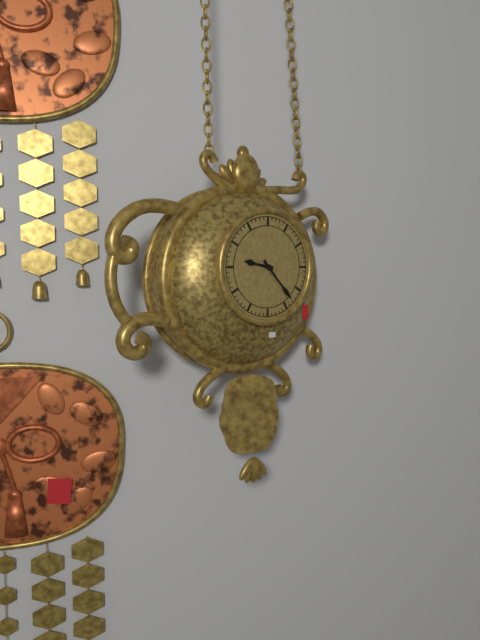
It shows 9:23
